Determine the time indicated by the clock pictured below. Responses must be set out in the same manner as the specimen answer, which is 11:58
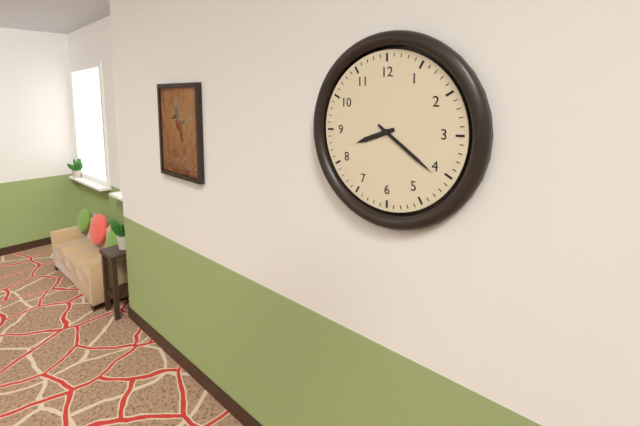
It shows 8:21
